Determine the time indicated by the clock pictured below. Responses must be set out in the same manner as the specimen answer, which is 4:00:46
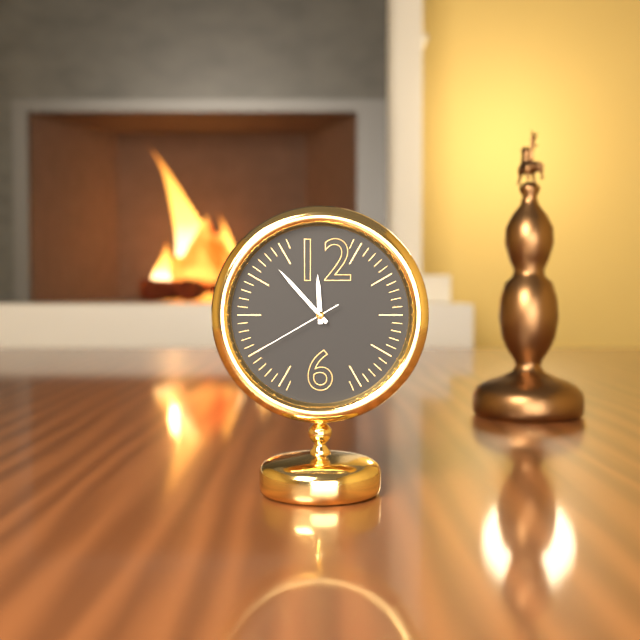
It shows 11:53:40
